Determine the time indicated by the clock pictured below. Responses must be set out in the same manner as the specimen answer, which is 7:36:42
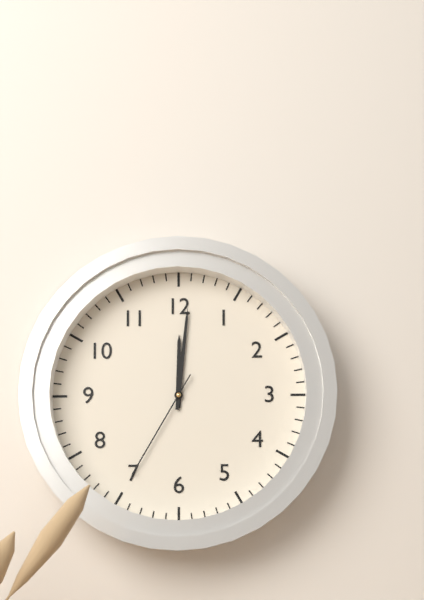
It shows 12:01:35
